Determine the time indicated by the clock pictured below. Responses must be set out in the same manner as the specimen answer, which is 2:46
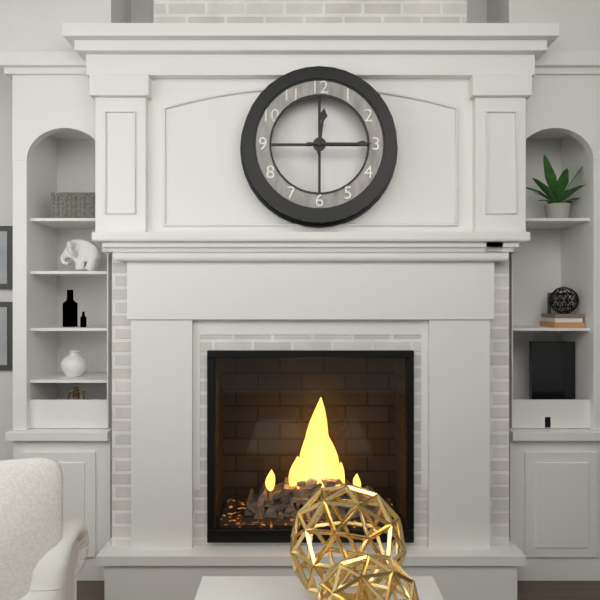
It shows 12:15
